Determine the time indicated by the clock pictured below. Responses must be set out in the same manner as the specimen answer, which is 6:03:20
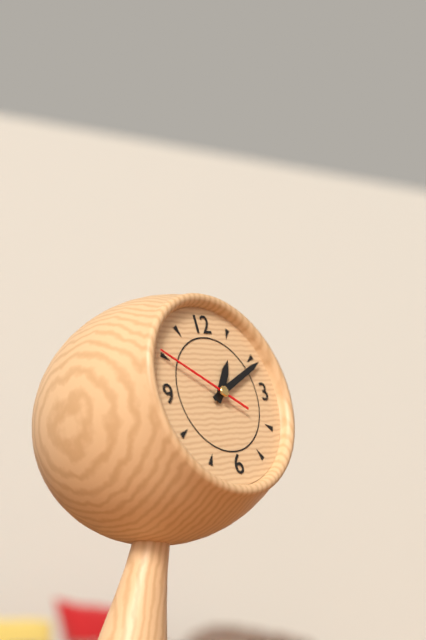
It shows 1:11:50
